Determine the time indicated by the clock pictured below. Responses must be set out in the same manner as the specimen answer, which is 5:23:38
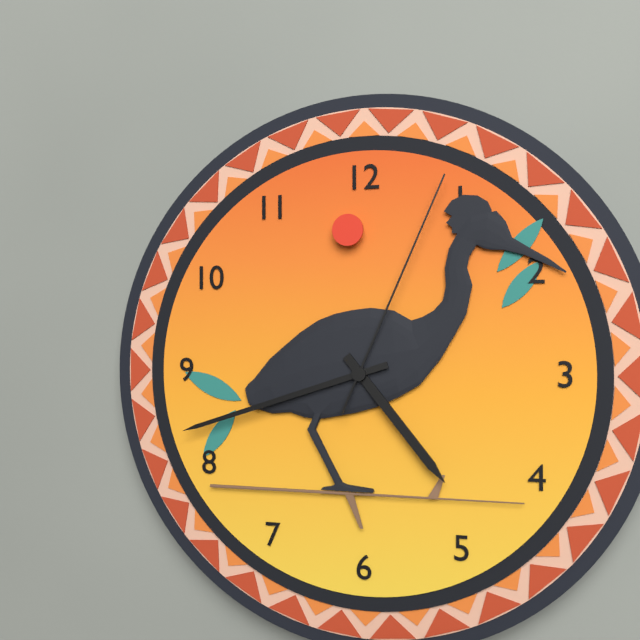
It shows 4:42:04
